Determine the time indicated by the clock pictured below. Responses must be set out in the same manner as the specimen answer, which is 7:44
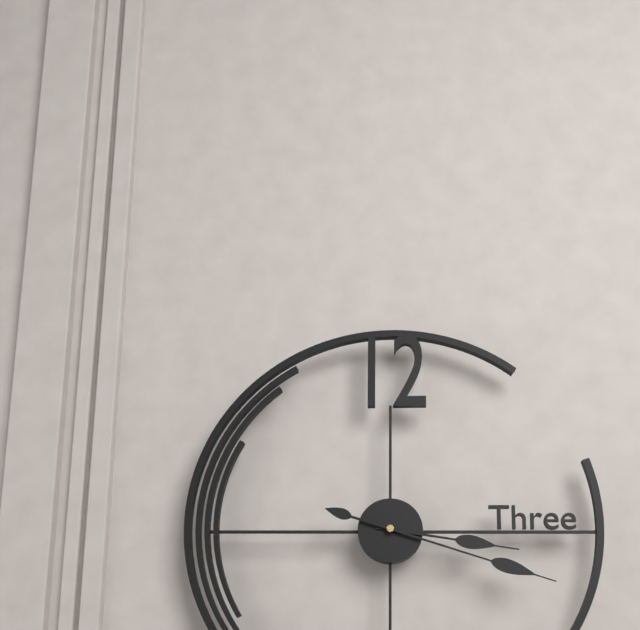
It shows 3:18
